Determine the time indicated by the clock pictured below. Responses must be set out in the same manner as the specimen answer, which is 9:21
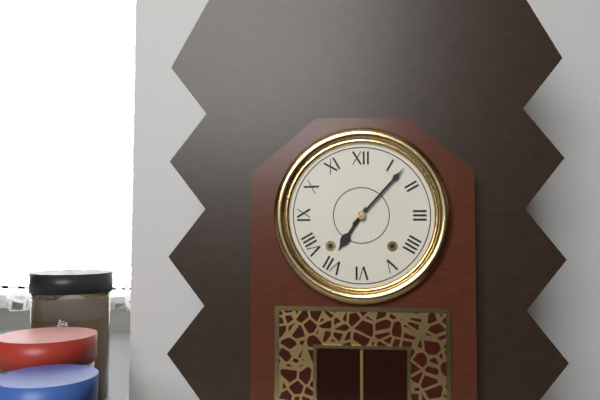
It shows 7:07
